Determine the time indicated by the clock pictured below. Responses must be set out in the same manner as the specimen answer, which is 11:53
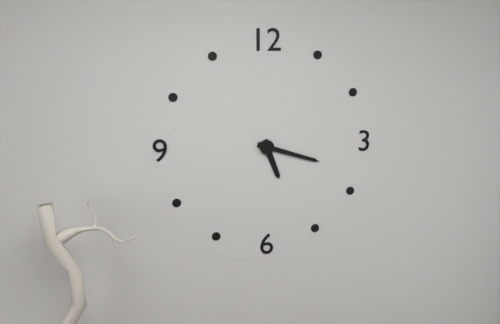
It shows 5:18
